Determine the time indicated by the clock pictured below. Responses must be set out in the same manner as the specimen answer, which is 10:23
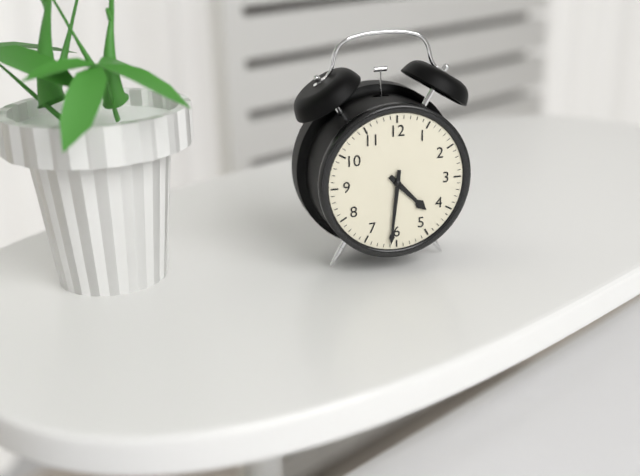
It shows 4:31
